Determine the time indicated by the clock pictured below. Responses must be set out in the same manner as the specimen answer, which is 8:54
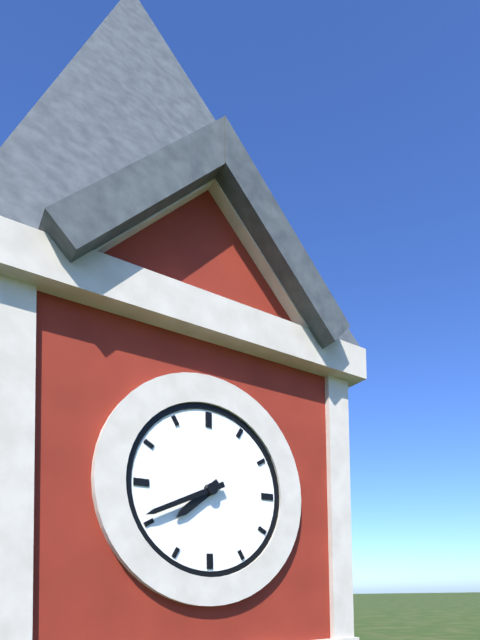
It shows 7:41
